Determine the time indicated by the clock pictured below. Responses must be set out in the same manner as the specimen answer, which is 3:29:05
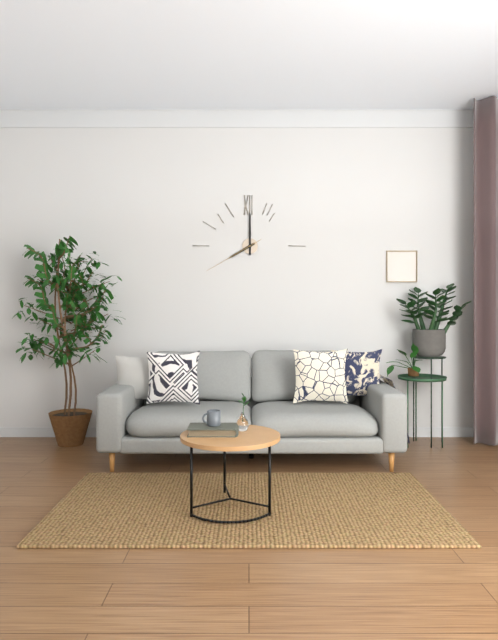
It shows 8:00:40
